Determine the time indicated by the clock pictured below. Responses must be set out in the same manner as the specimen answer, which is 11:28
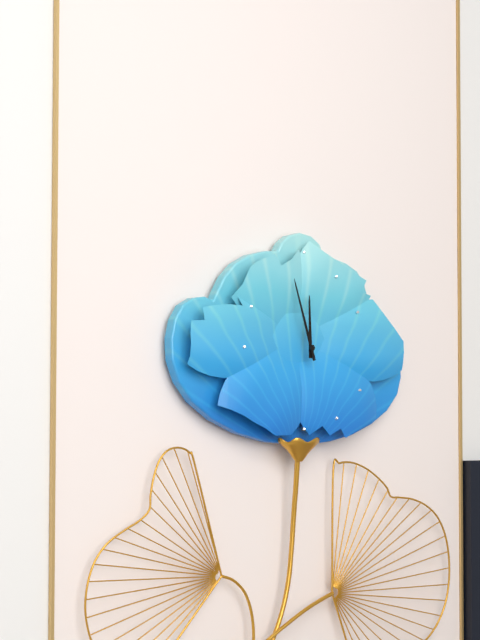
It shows 11:57
